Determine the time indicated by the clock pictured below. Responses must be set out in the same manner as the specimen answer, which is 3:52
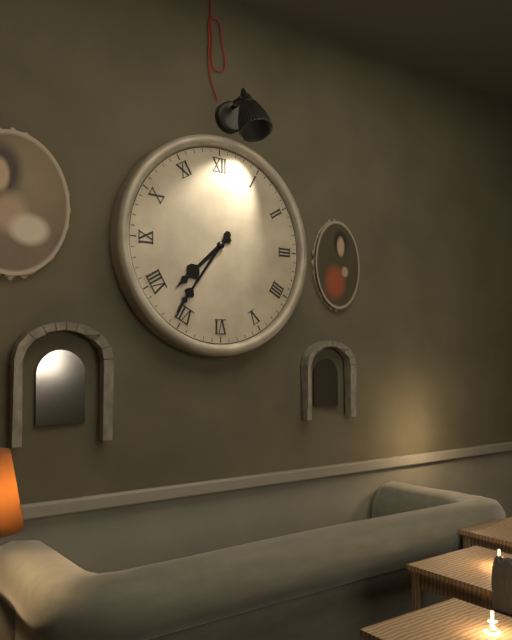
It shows 7:36
